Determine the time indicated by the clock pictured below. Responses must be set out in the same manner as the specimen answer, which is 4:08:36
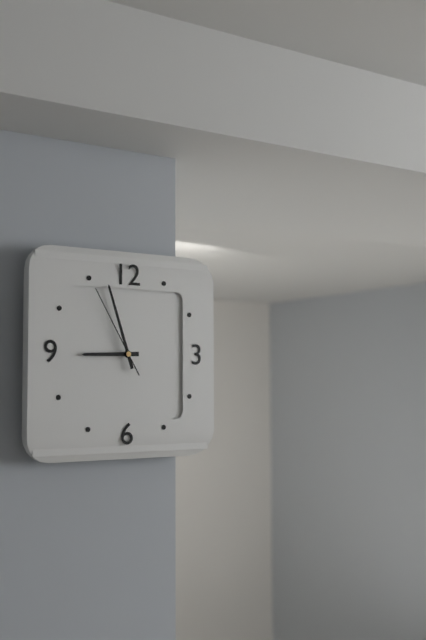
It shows 8:57:55
